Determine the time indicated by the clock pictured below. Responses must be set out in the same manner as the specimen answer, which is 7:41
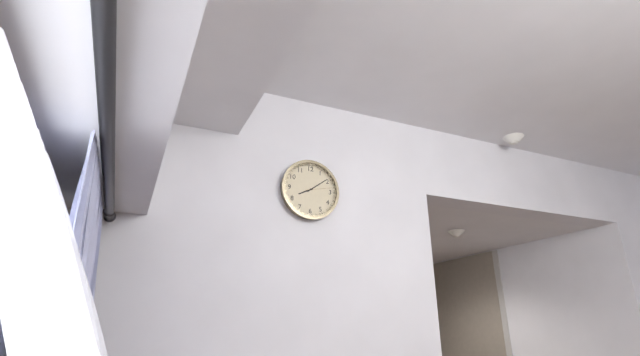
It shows 8:09
